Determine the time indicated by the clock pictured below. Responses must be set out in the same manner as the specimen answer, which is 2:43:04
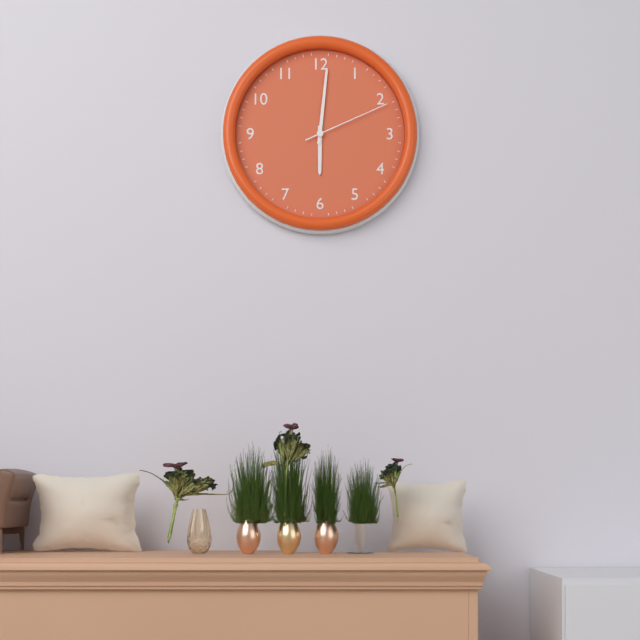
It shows 6:01:11
